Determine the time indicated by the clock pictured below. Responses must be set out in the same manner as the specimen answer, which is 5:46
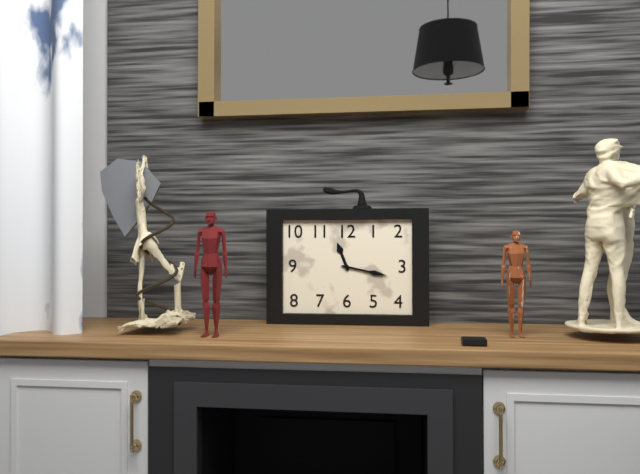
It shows 11:17
